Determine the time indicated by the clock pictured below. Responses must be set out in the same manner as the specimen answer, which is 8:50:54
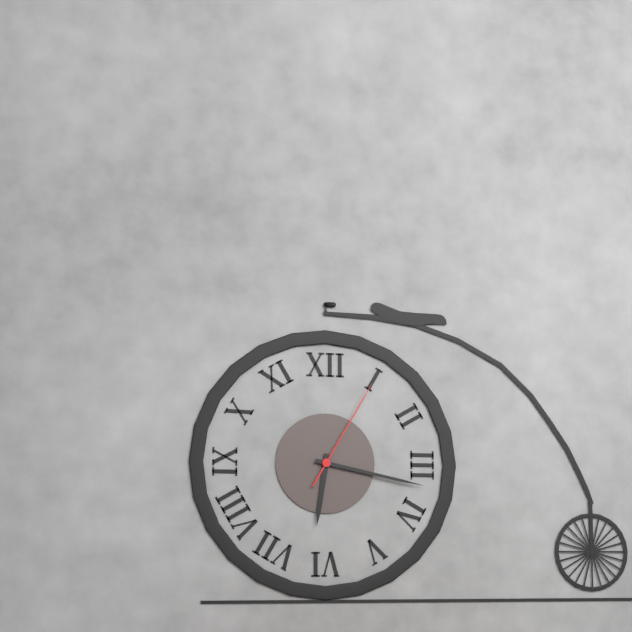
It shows 6:17:05
